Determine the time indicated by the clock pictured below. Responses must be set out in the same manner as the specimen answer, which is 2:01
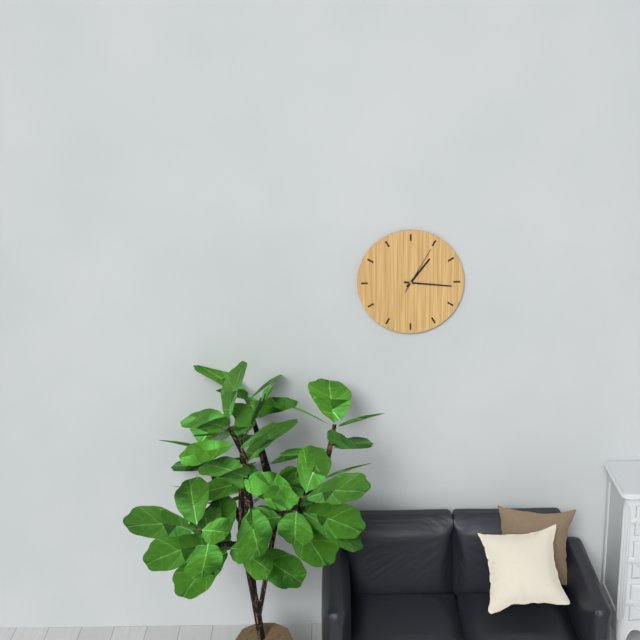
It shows 1:16
